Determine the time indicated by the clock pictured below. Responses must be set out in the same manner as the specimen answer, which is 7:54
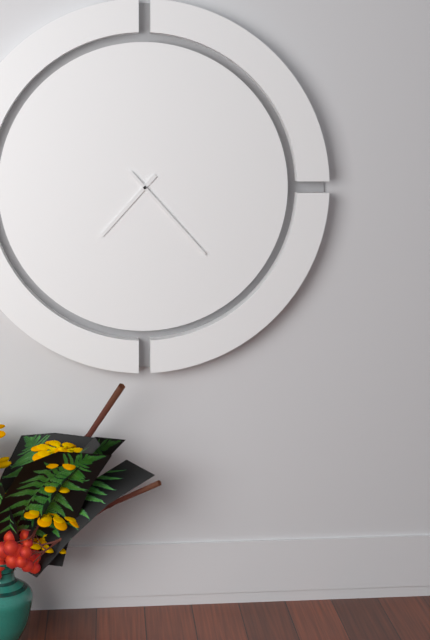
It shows 7:23
